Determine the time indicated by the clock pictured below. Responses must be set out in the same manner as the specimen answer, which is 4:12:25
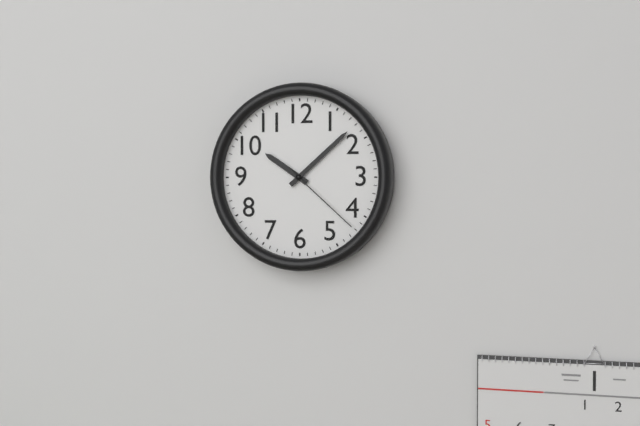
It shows 10:08:22
